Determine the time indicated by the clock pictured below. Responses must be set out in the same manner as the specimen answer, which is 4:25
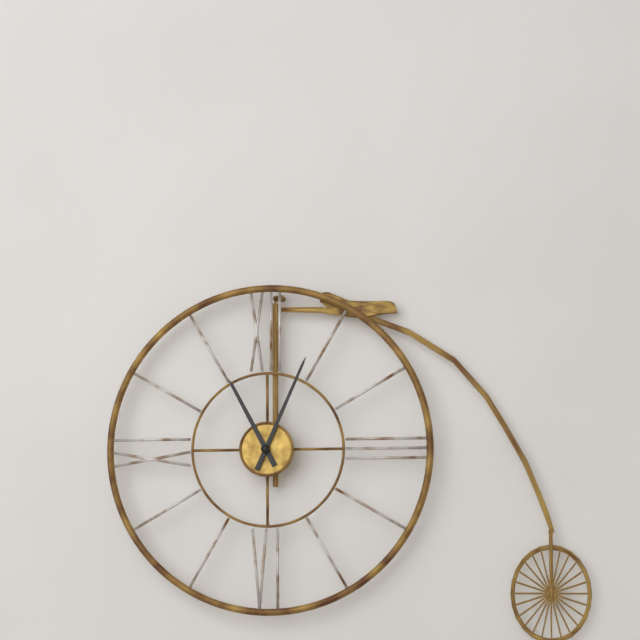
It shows 11:04
